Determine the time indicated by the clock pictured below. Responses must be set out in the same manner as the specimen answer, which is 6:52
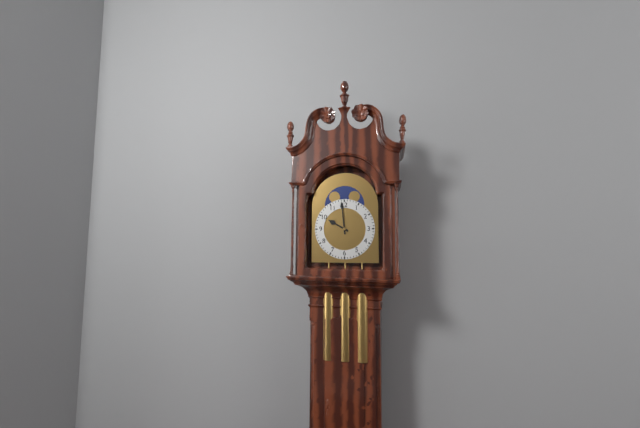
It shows 9:59
